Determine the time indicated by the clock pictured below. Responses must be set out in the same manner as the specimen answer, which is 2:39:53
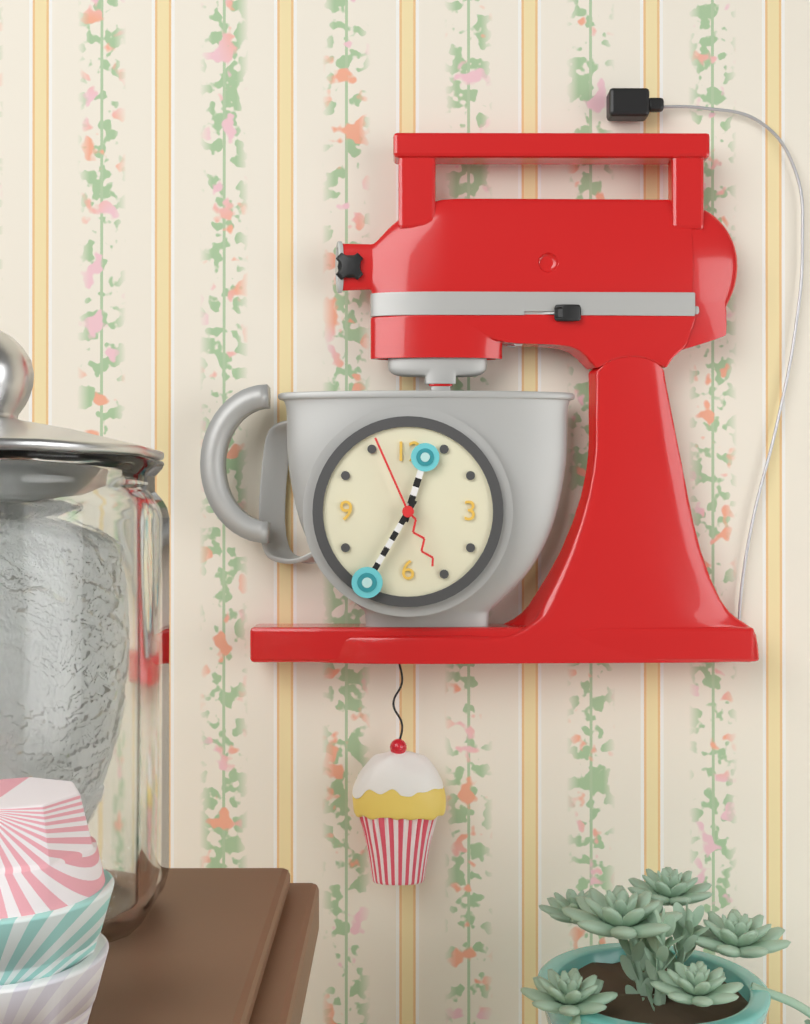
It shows 12:35:56
